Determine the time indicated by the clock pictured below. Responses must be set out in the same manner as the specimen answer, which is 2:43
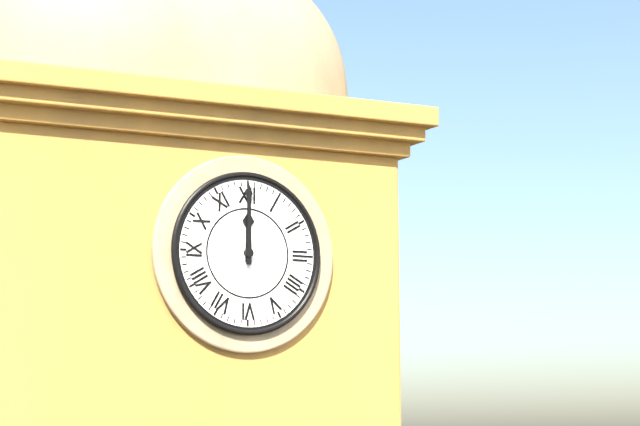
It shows 12:00
